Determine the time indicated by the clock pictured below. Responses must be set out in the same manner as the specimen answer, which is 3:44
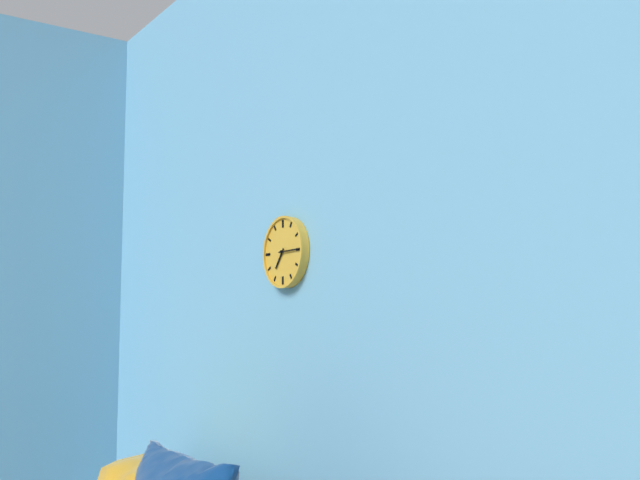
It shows 7:15
